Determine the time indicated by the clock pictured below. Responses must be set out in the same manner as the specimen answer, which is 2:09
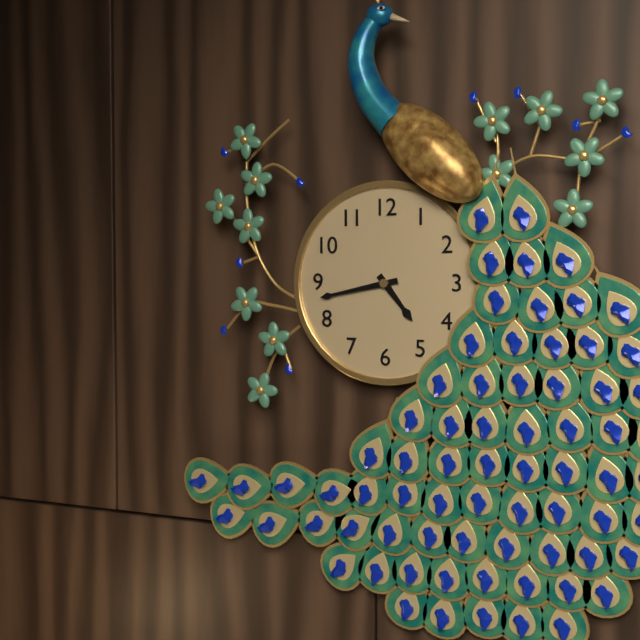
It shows 4:43
